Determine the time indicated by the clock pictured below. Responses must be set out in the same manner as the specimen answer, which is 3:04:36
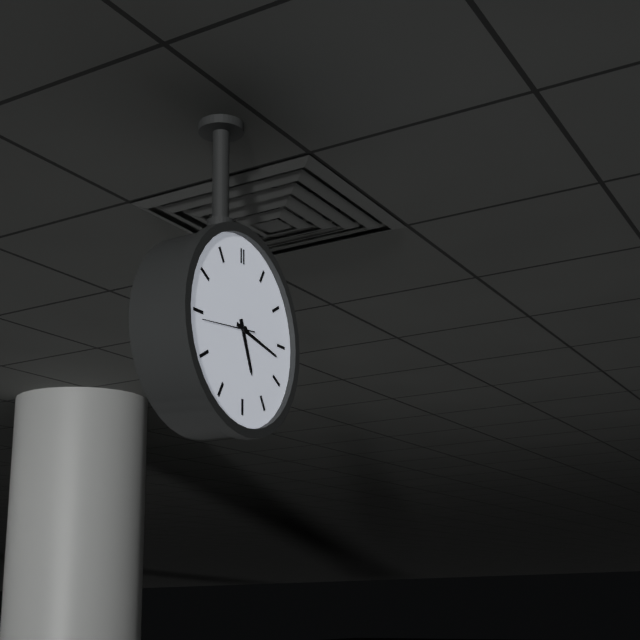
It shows 5:17:44
